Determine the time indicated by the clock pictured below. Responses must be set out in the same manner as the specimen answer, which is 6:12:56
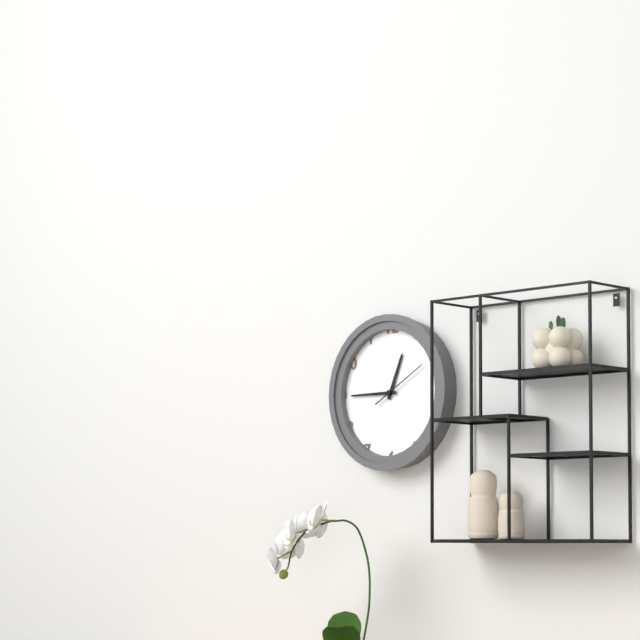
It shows 12:45:10
